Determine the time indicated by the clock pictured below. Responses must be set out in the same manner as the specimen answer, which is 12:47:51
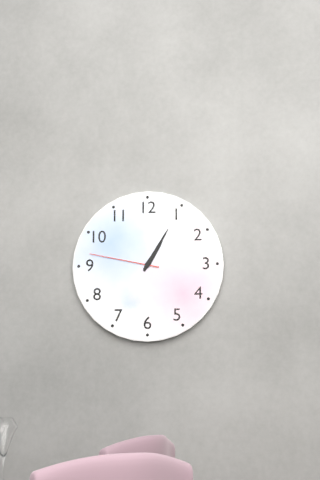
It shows 1:05:47
